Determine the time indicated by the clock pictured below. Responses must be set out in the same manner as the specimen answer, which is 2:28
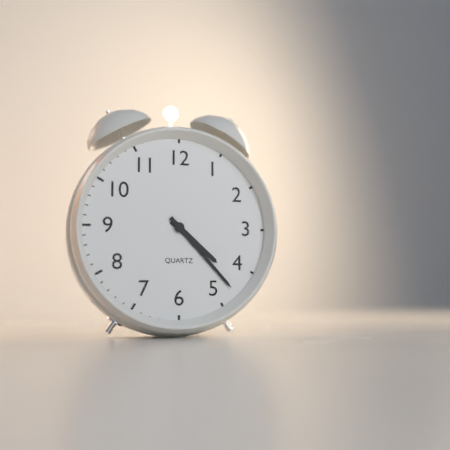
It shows 4:23
